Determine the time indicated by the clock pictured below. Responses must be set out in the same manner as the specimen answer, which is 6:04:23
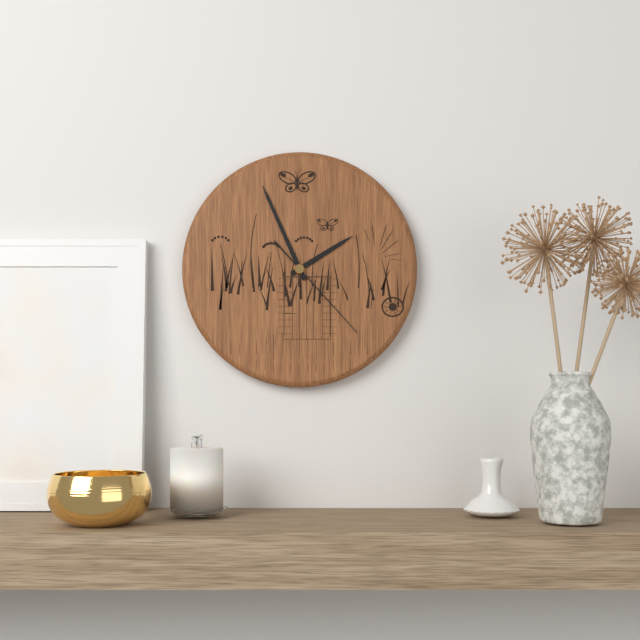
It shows 1:56:23
